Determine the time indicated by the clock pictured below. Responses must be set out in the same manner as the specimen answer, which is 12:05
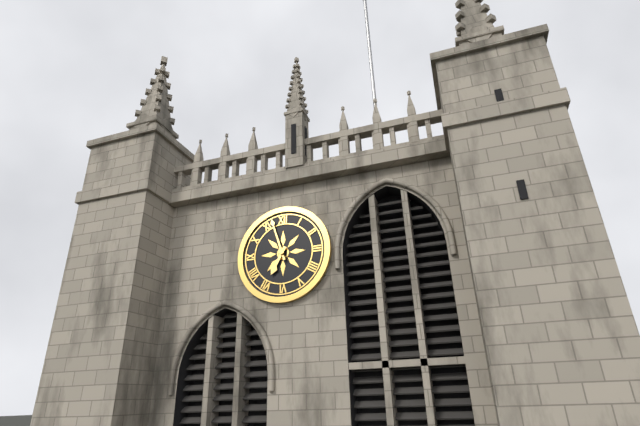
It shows 6:57
